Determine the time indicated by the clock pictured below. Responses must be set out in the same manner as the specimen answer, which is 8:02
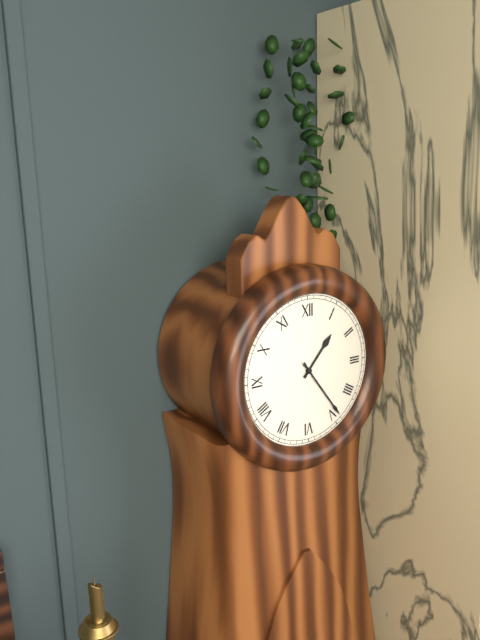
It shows 1:24
